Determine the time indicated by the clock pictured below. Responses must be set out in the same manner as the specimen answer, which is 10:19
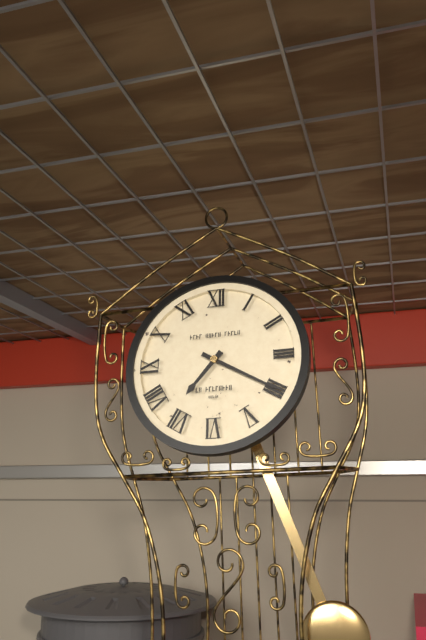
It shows 7:20
